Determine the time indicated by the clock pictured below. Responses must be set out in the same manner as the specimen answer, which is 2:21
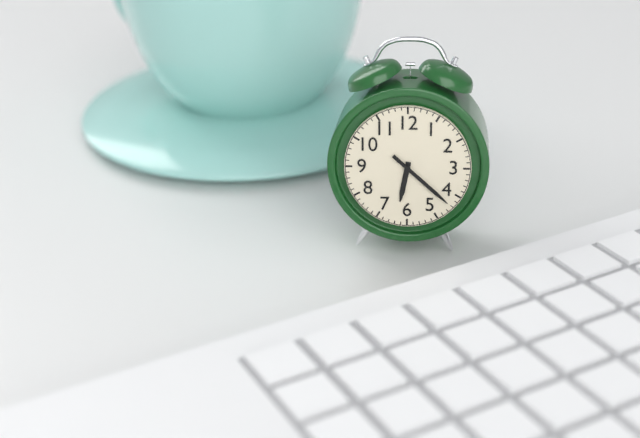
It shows 6:22
